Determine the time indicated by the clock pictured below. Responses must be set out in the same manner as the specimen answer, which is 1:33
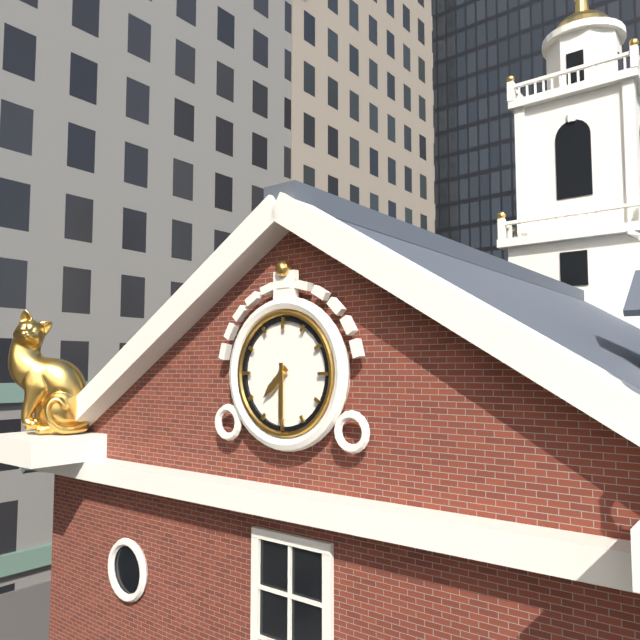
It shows 7:30
